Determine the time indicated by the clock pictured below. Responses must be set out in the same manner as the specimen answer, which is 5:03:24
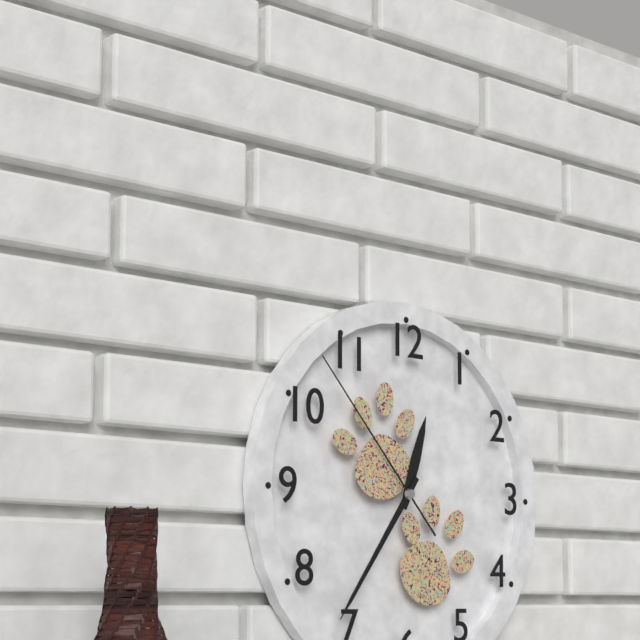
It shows 12:36:53
